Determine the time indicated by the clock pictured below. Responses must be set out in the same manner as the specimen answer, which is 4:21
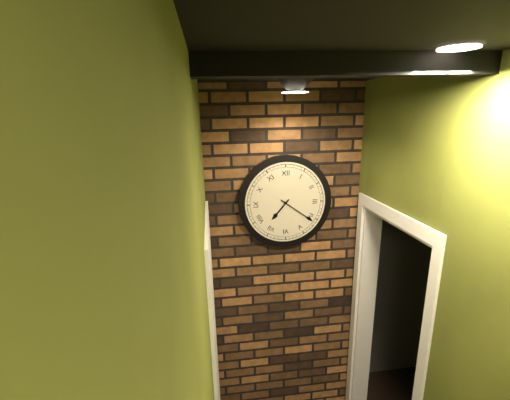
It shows 7:21
